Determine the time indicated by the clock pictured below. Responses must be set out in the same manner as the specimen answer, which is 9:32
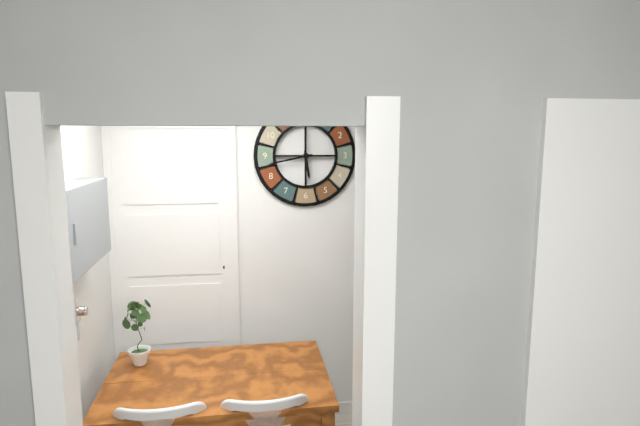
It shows 5:43
